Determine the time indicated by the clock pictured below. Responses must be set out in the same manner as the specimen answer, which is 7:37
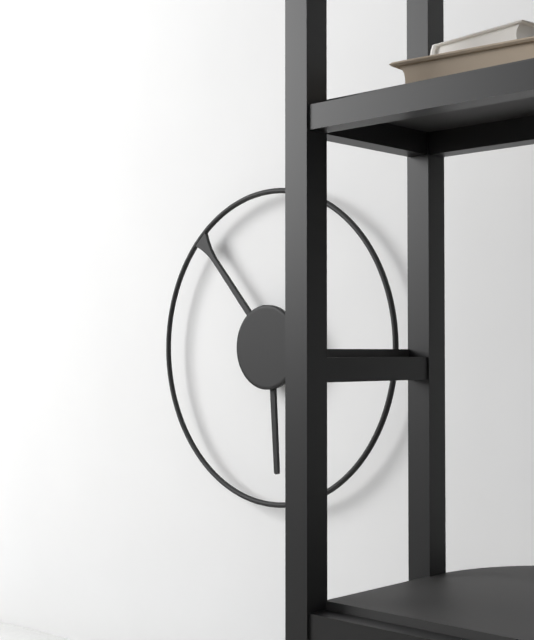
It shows 5:53
